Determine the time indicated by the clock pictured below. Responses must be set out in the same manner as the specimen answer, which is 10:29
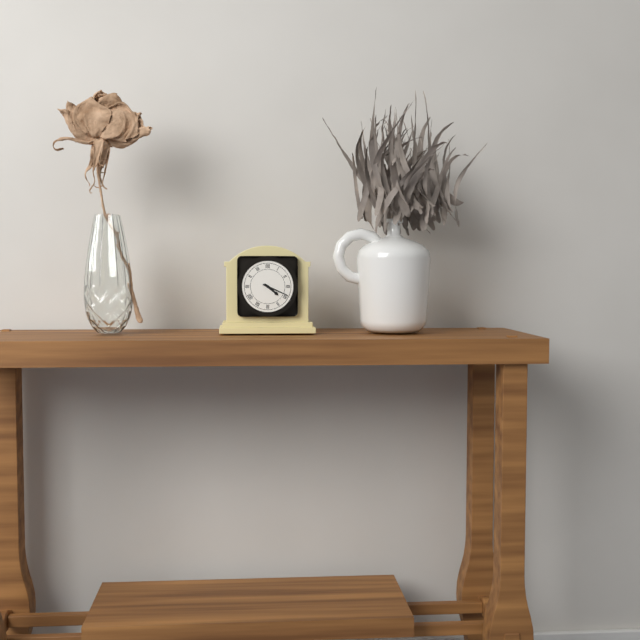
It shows 4:19
